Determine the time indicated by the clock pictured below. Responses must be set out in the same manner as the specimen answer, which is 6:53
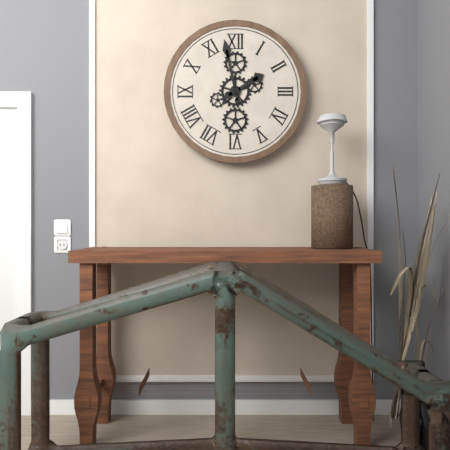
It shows 1:58
